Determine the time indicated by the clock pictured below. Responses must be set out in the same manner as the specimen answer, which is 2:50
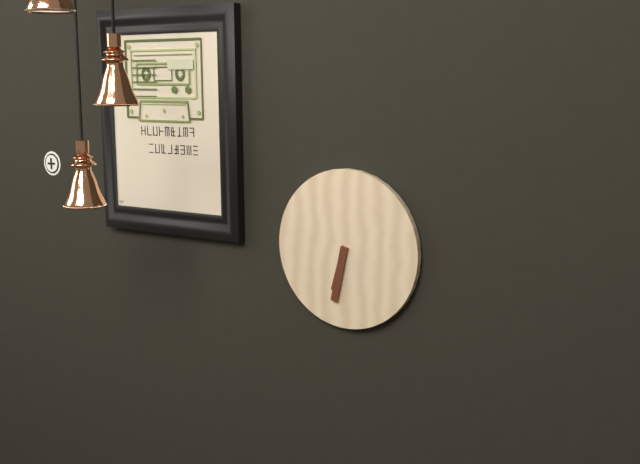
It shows 6:32
